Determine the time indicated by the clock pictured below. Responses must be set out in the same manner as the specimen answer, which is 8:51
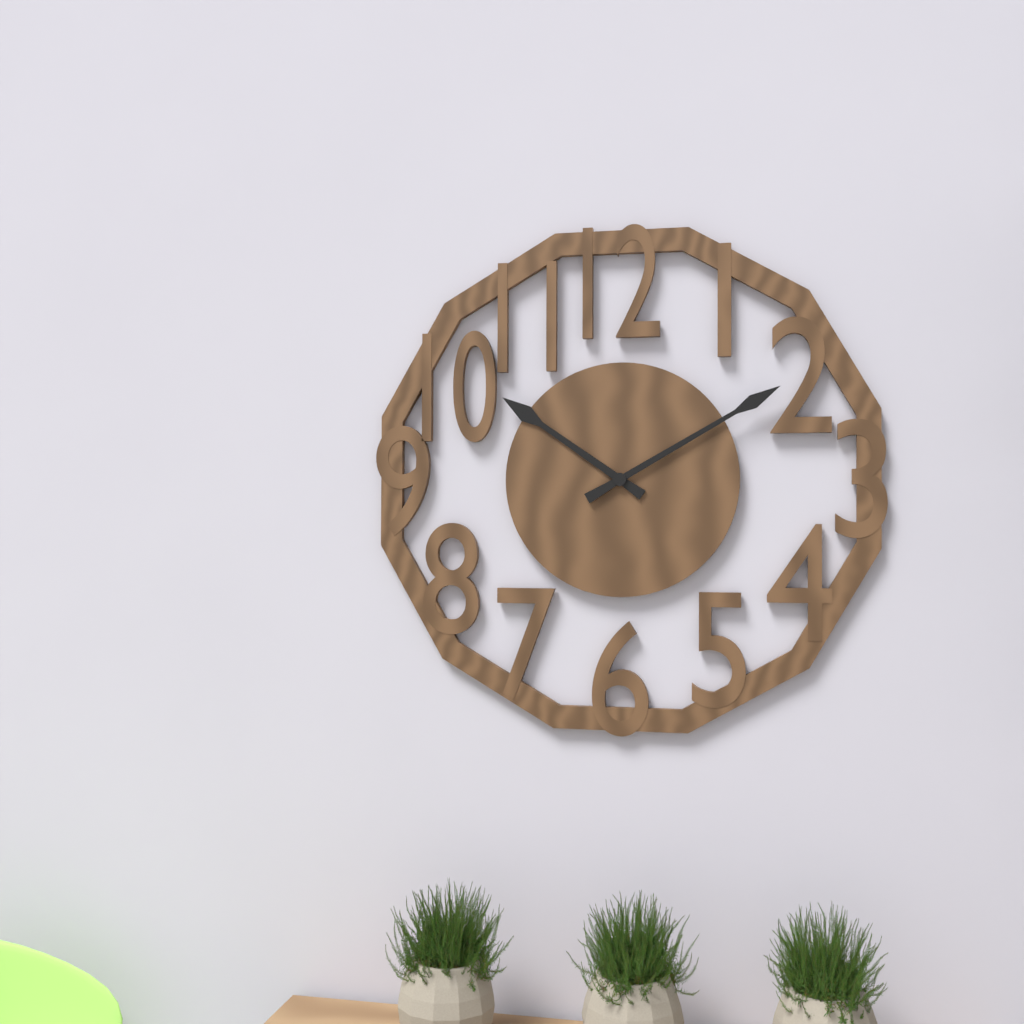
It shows 10:10
